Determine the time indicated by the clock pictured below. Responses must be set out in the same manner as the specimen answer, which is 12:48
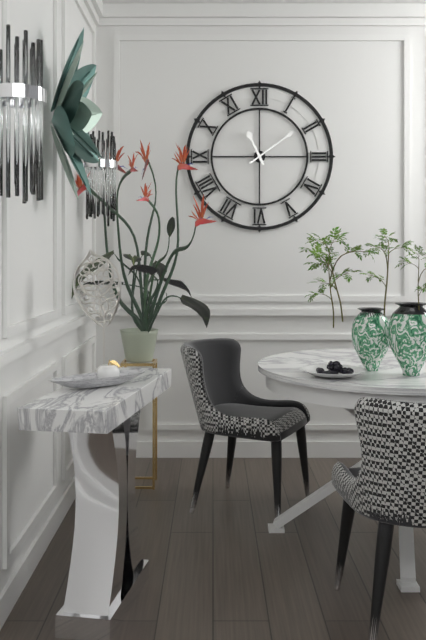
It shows 11:09
